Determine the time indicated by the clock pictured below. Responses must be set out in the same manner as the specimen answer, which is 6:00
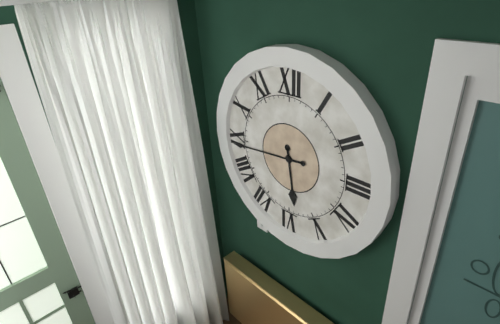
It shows 5:44
